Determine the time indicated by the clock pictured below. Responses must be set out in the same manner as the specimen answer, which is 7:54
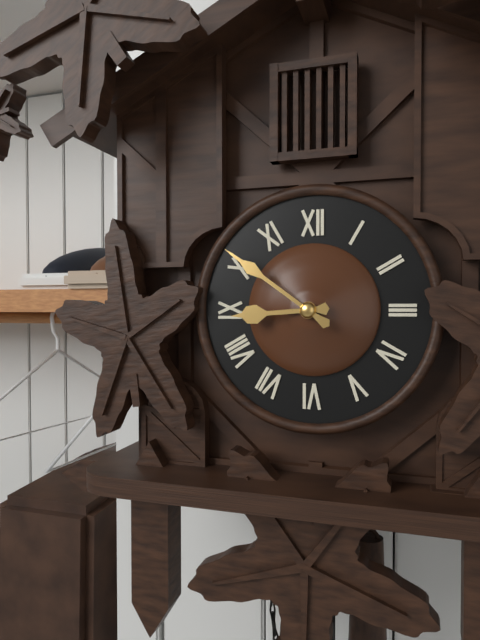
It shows 8:51
